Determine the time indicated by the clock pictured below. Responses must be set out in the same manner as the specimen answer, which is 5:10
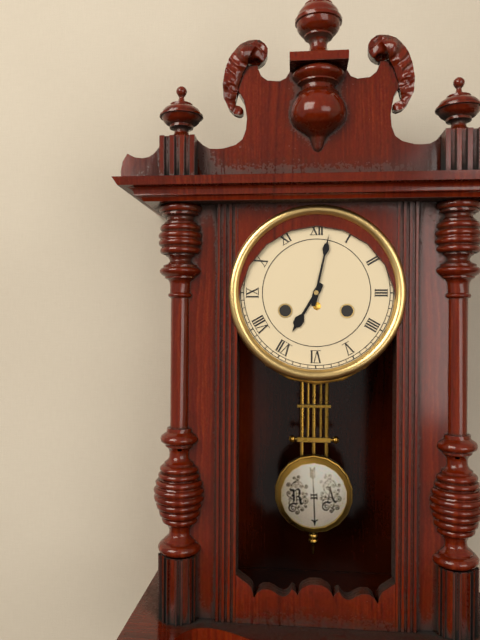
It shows 7:02
